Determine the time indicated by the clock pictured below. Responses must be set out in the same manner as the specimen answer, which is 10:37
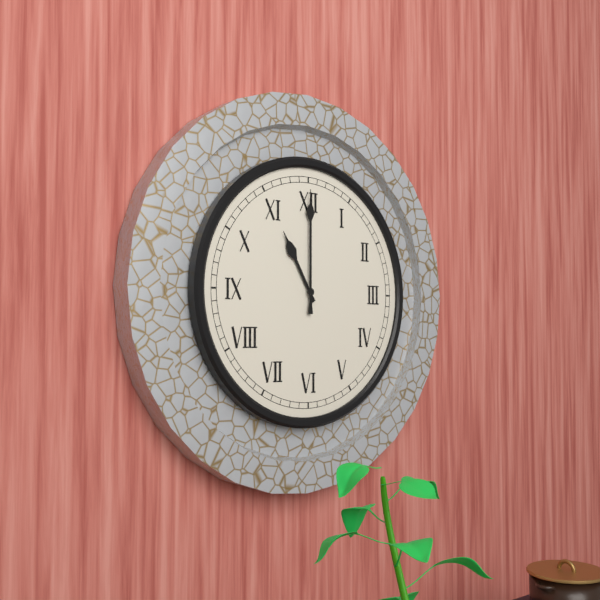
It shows 11:00
